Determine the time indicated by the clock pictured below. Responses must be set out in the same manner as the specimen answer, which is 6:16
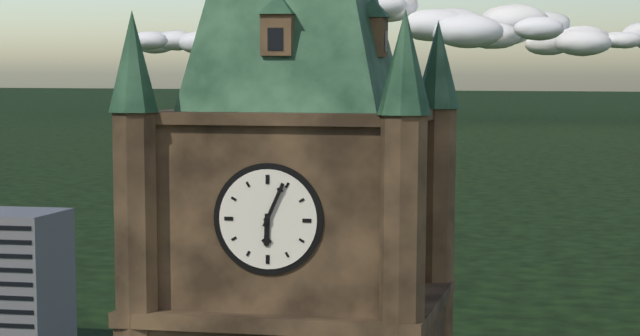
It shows 6:04
